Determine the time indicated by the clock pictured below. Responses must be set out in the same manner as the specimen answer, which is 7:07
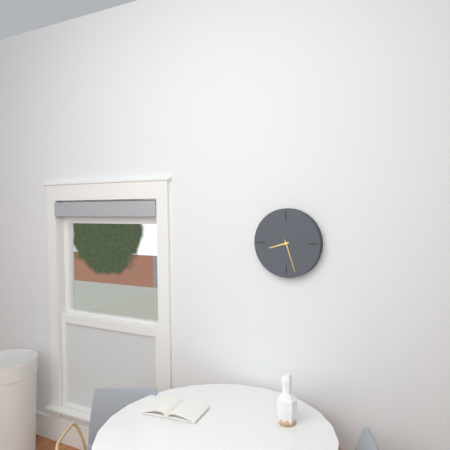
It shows 8:27
